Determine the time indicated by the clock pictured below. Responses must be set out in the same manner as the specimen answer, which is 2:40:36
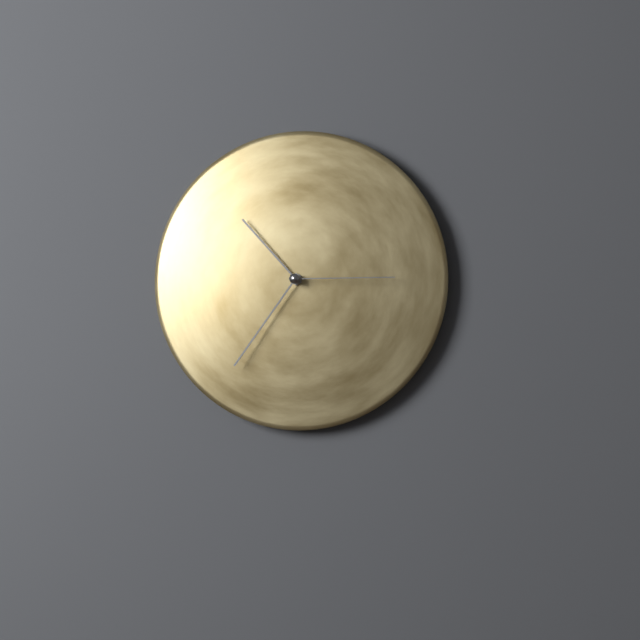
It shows 10:36:15
